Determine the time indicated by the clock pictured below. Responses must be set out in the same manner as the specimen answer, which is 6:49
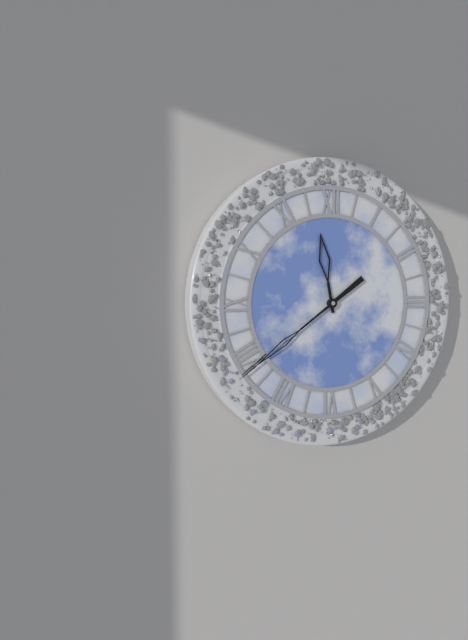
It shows 11:39
